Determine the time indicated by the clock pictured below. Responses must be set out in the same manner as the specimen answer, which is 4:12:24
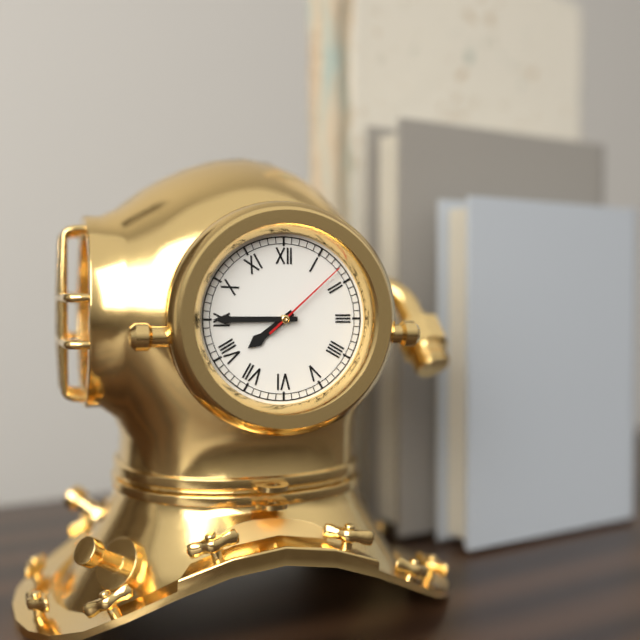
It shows 7:45:08
